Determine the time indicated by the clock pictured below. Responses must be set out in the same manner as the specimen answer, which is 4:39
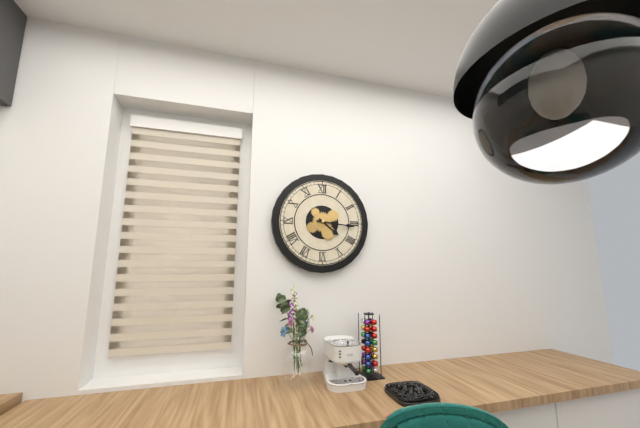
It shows 4:16
